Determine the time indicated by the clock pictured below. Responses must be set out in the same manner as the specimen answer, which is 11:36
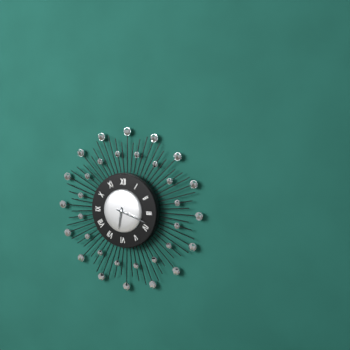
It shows 6:18
